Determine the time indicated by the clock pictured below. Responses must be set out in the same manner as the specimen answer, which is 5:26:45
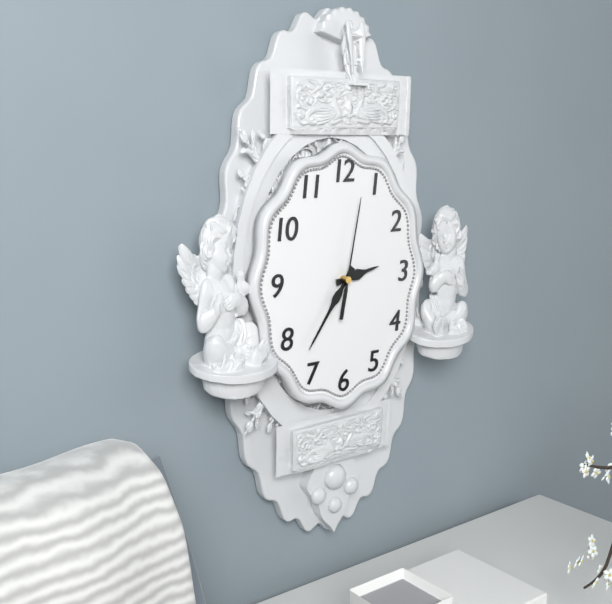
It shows 2:36:02
